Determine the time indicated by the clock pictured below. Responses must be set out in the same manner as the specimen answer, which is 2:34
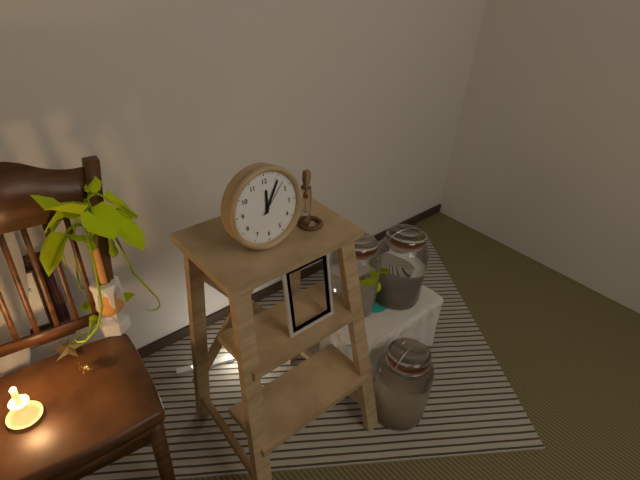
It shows 12:05
